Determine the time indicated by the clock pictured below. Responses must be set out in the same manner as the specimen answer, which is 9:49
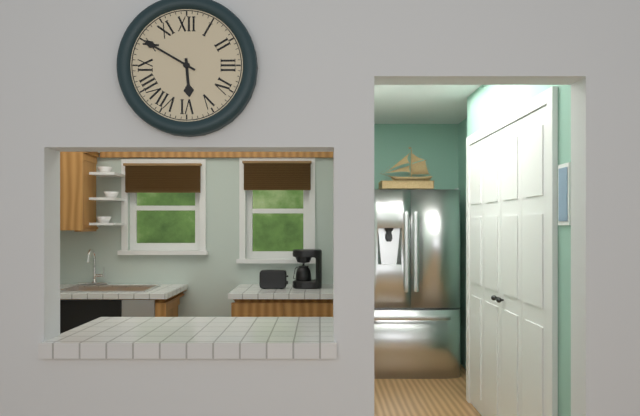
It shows 5:50
